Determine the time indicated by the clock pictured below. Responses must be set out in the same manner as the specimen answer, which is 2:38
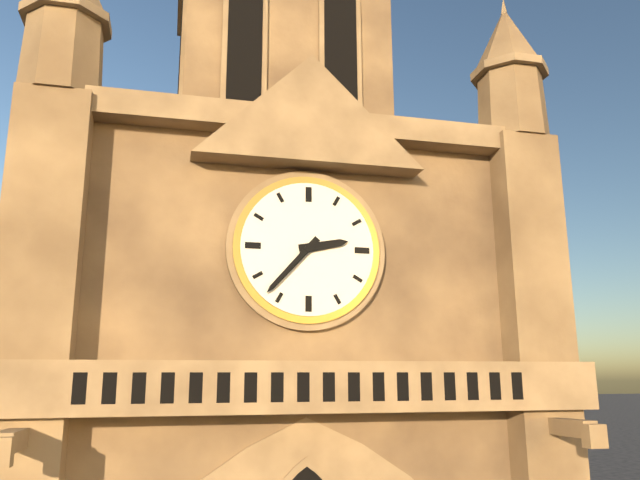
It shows 2:37
